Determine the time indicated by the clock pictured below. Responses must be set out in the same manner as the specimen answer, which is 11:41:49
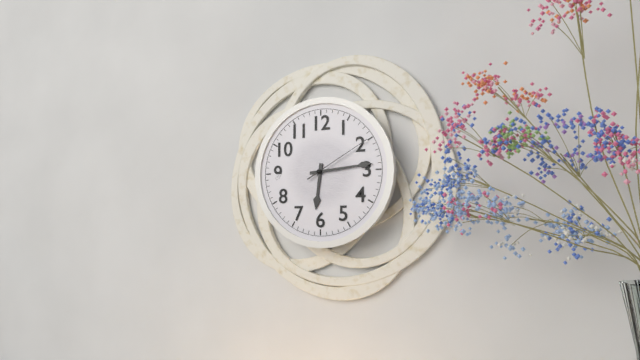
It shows 6:14:10
